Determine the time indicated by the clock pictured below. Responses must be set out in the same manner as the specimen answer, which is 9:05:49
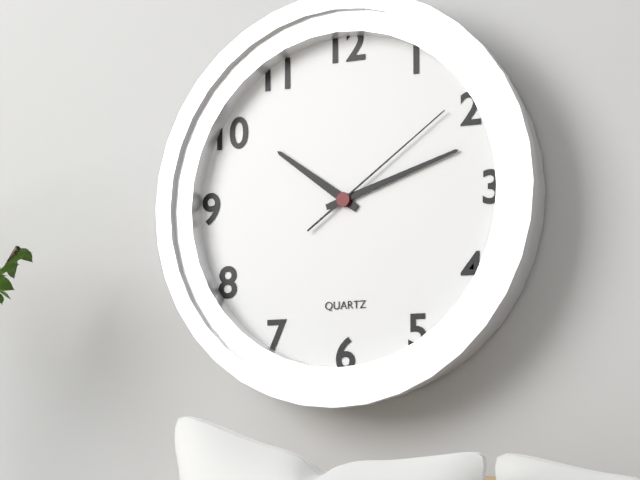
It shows 10:12:09
